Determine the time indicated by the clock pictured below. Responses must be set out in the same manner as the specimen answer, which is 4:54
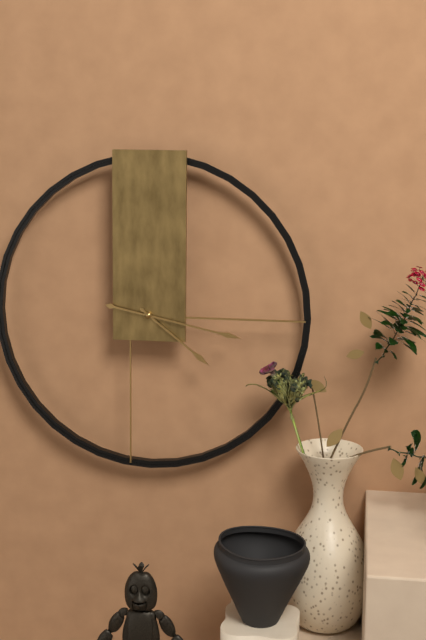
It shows 4:17
